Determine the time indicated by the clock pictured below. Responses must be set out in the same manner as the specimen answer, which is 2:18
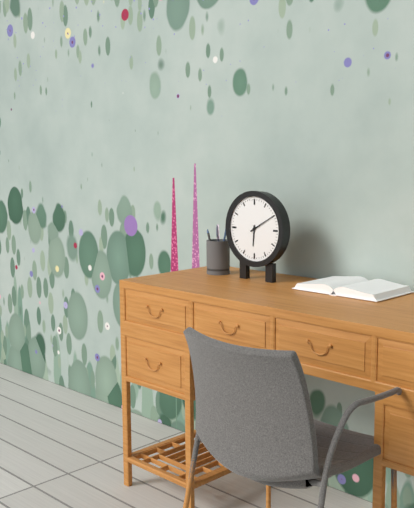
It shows 6:10
